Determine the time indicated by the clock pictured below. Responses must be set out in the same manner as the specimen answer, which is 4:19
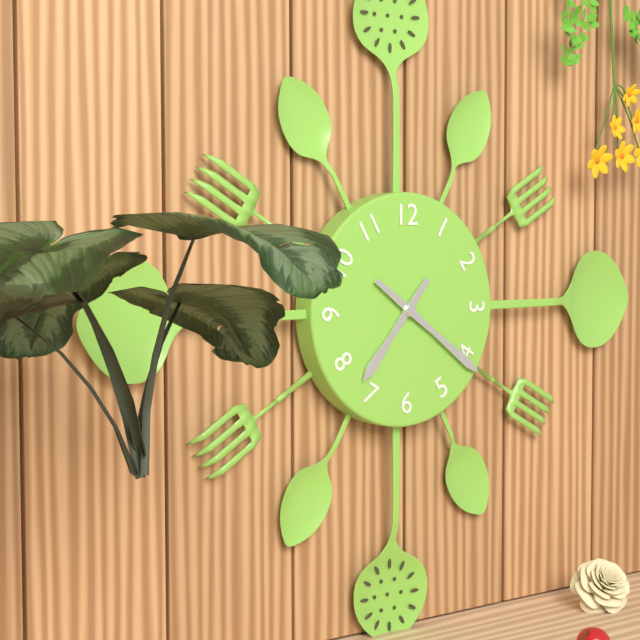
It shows 7:21
